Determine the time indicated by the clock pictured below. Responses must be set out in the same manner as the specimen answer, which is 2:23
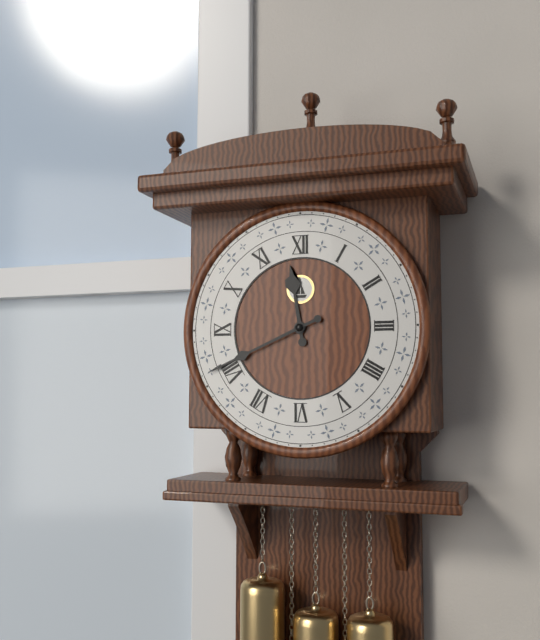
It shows 11:41
